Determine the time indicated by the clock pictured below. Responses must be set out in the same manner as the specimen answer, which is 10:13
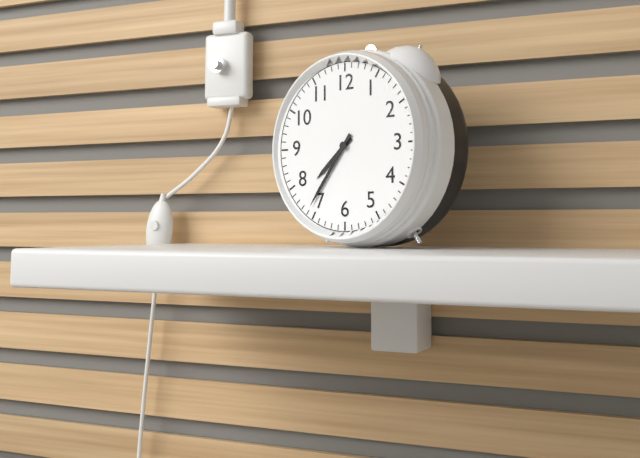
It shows 7:36
